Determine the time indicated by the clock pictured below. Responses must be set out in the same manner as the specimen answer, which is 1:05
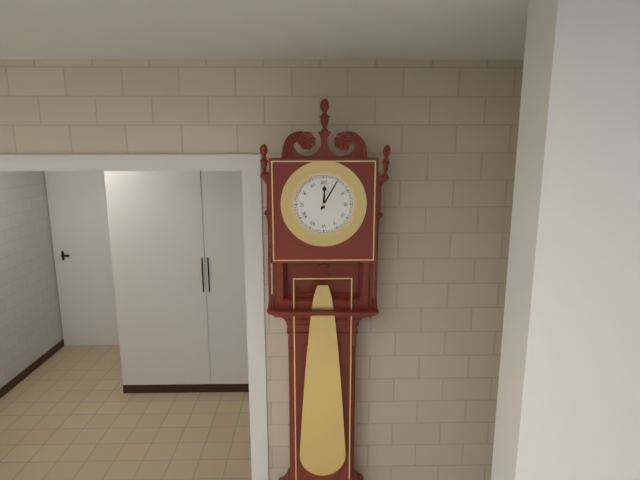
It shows 12:05
